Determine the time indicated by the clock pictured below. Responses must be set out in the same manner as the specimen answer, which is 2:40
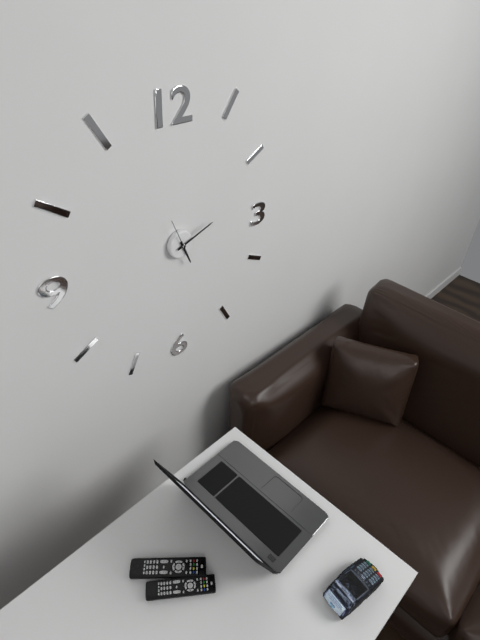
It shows 5:12
